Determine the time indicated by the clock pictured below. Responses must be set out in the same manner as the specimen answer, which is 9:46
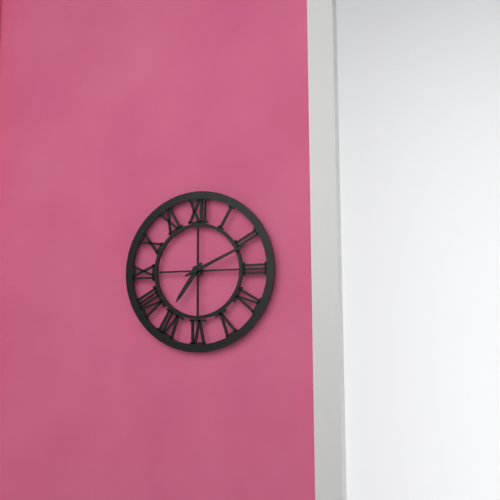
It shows 7:11
